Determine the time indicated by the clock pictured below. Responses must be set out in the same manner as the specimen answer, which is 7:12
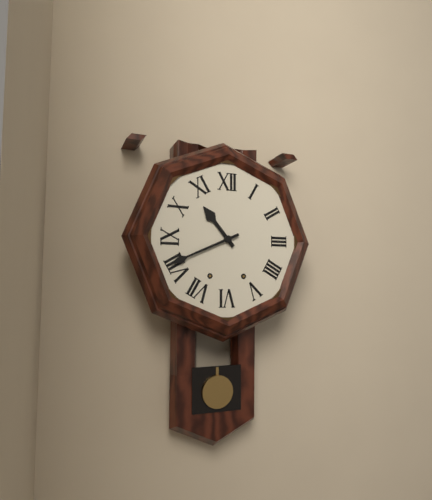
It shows 10:41
